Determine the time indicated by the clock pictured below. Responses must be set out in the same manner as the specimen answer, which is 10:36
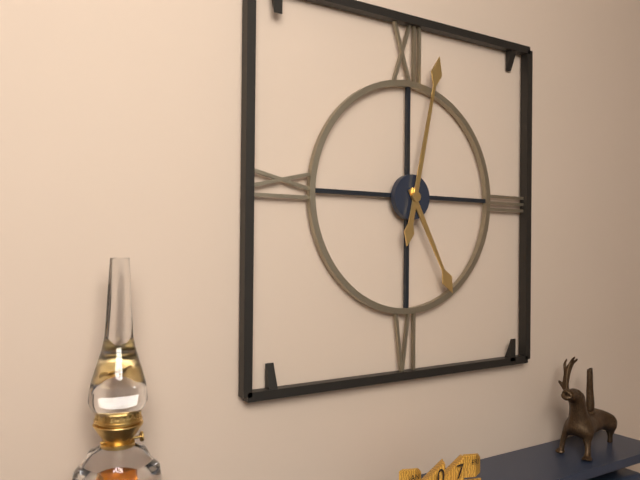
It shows 5:02
